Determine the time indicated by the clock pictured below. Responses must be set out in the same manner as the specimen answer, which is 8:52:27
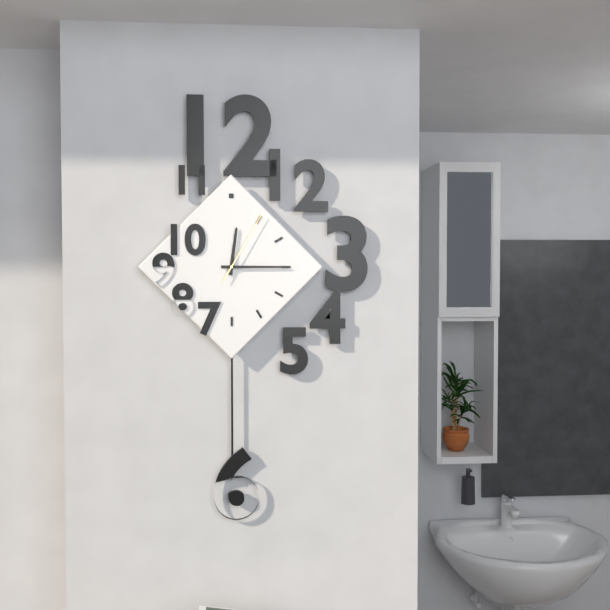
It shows 12:15:05
